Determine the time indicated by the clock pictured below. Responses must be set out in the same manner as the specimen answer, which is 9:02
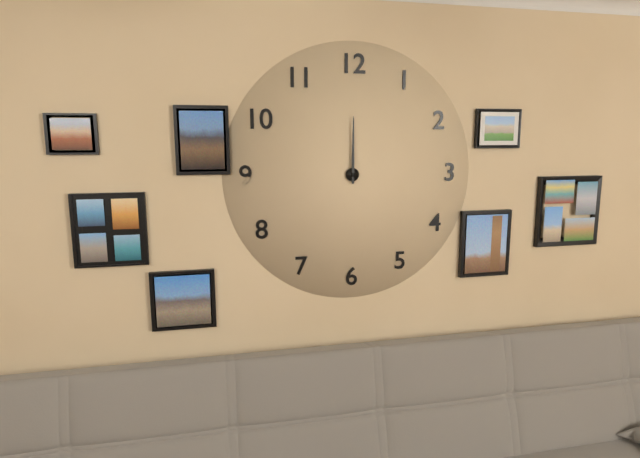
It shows 12:00
